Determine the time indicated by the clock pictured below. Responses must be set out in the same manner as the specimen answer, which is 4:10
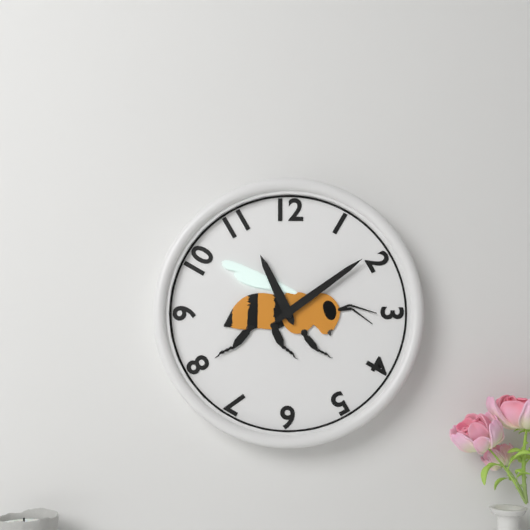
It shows 11:09
